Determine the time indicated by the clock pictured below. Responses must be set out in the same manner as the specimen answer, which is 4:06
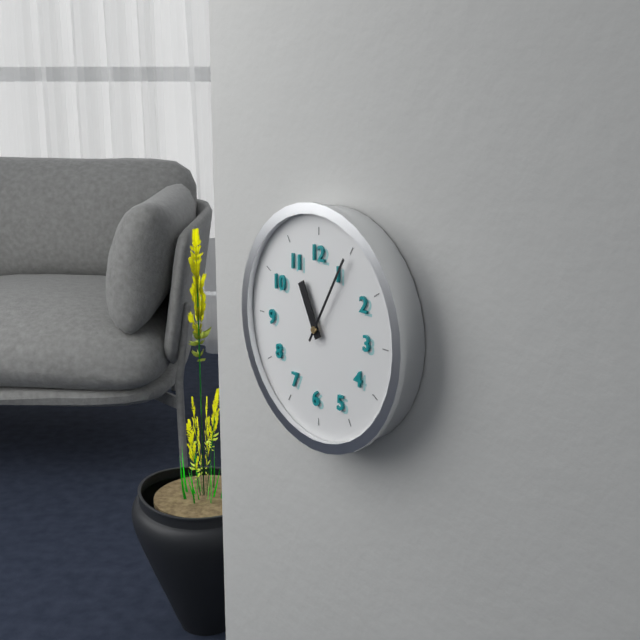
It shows 11:05
